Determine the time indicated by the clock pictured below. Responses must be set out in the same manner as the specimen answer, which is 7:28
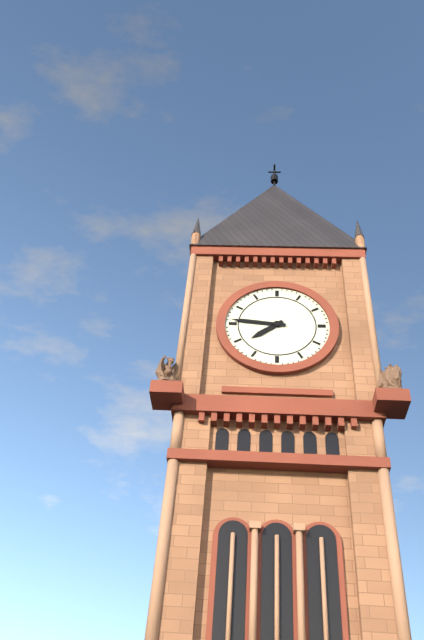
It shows 7:46
